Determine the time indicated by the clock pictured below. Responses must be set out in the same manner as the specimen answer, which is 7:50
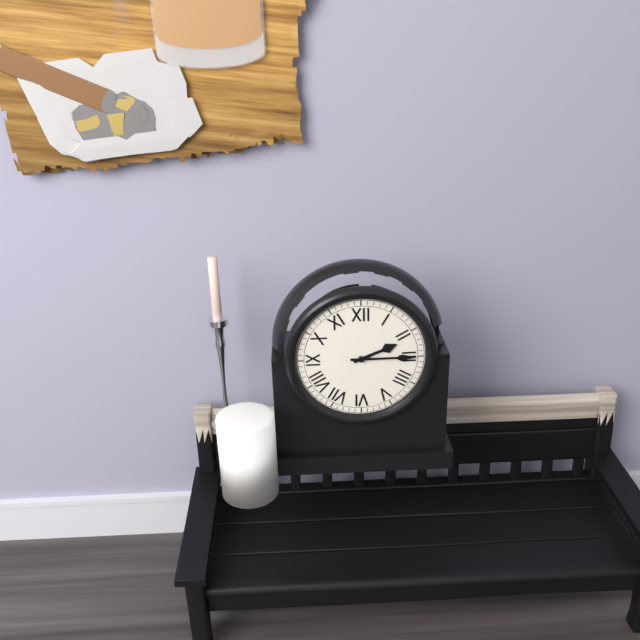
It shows 2:15
